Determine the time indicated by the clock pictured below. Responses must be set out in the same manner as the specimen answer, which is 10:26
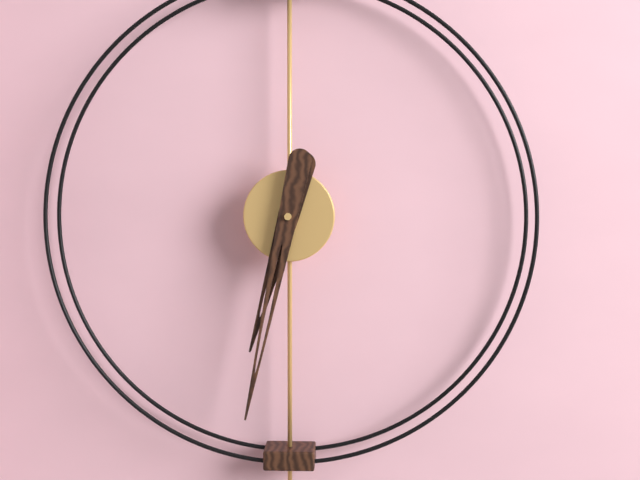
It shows 6:32
